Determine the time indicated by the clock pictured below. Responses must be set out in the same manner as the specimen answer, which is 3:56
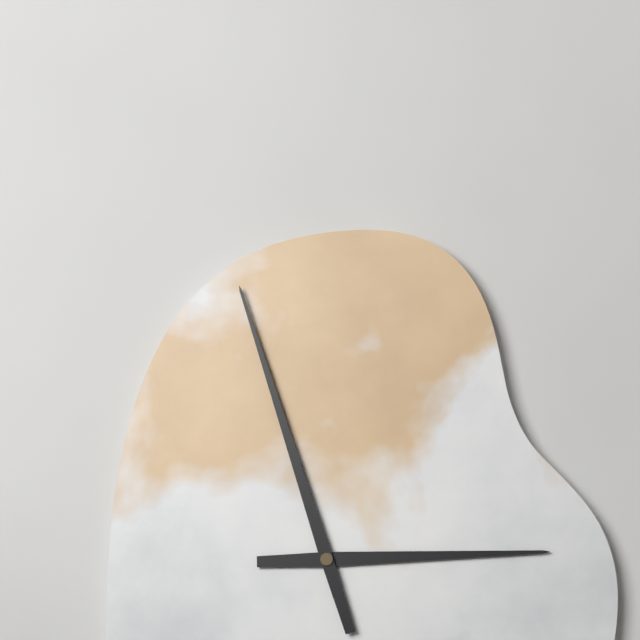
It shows 2:57
